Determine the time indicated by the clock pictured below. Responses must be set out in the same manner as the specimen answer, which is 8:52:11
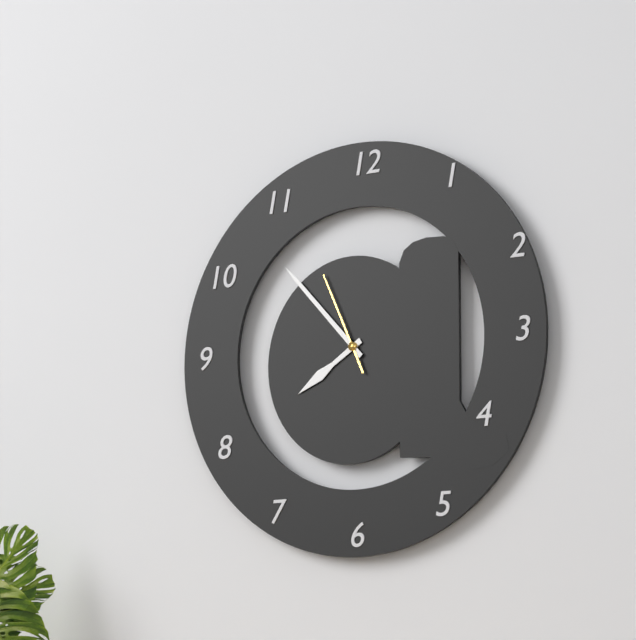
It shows 7:53:56
